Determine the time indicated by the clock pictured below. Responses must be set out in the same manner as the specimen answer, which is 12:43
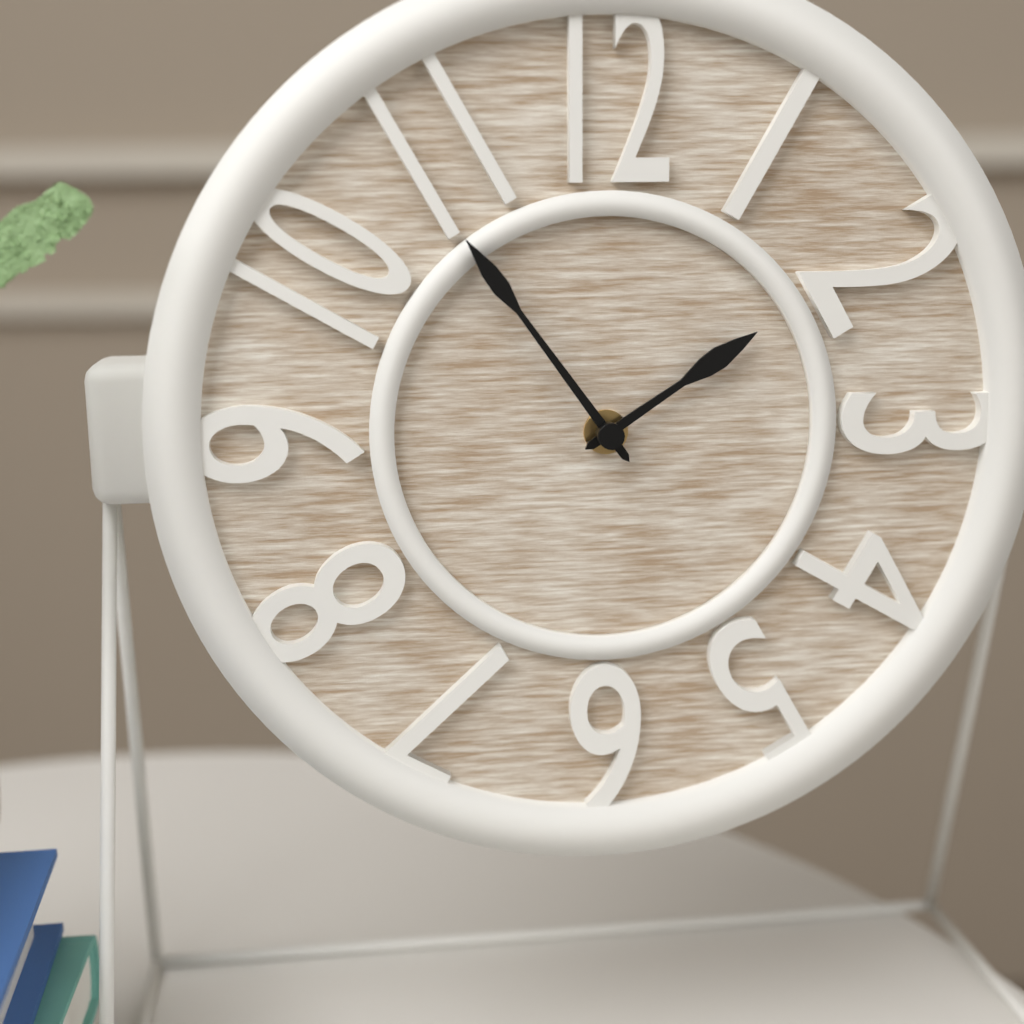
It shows 1:54
